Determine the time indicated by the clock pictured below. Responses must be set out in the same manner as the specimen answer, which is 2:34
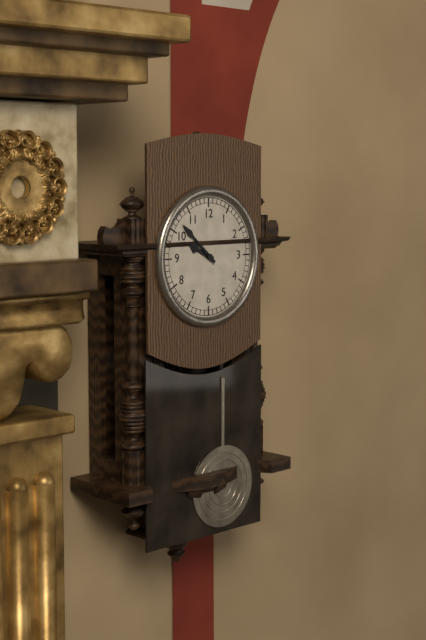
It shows 9:52
